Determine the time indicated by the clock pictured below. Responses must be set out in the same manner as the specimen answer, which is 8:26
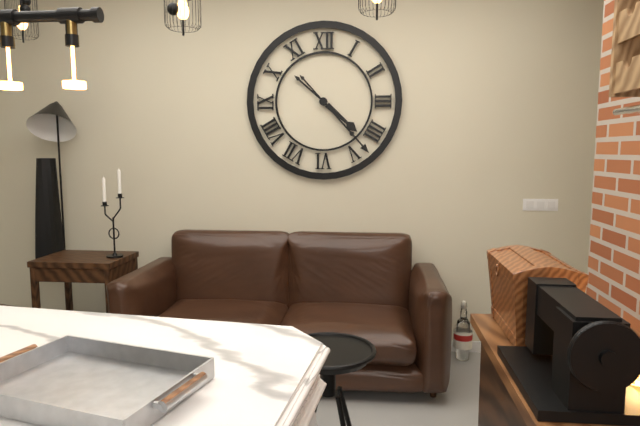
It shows 4:23
